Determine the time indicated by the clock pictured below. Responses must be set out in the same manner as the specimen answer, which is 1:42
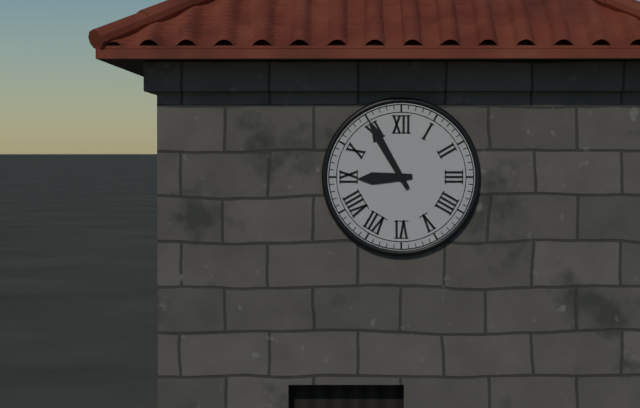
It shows 8:55
